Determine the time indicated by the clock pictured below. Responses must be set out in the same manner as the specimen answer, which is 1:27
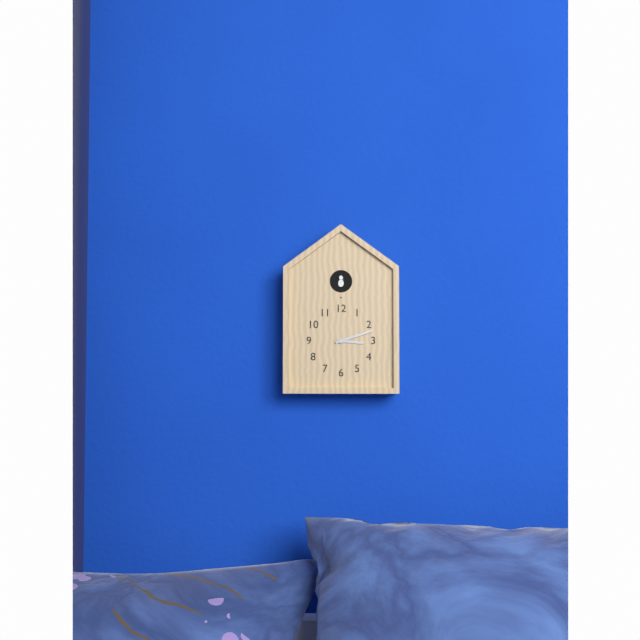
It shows 3:12
